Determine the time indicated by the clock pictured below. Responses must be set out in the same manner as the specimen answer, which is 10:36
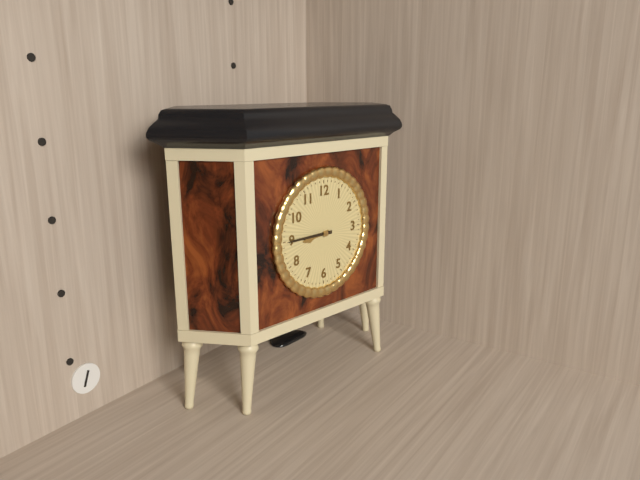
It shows 8:45
